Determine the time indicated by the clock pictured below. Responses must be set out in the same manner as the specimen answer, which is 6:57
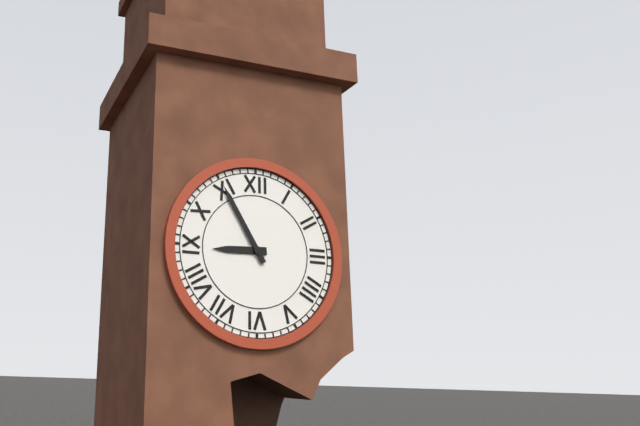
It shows 8:55
